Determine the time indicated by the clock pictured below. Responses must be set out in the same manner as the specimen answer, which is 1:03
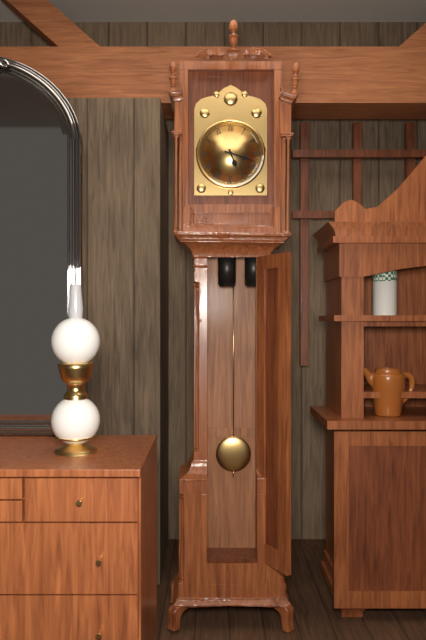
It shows 5:18
